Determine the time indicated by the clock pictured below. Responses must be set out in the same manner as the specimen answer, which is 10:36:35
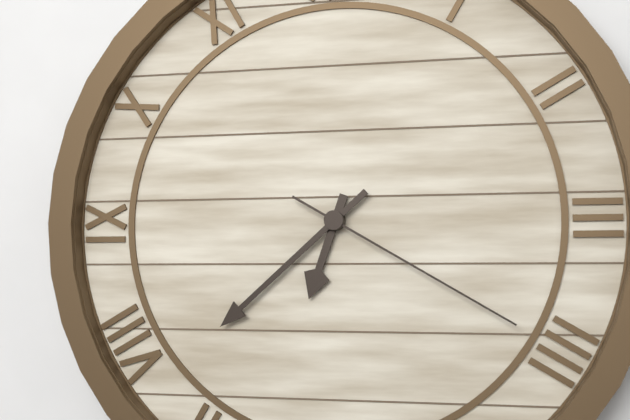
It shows 6:38:20
